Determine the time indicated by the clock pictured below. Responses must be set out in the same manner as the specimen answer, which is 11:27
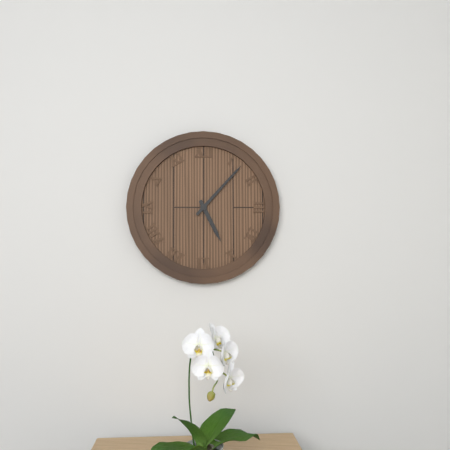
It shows 5:07
